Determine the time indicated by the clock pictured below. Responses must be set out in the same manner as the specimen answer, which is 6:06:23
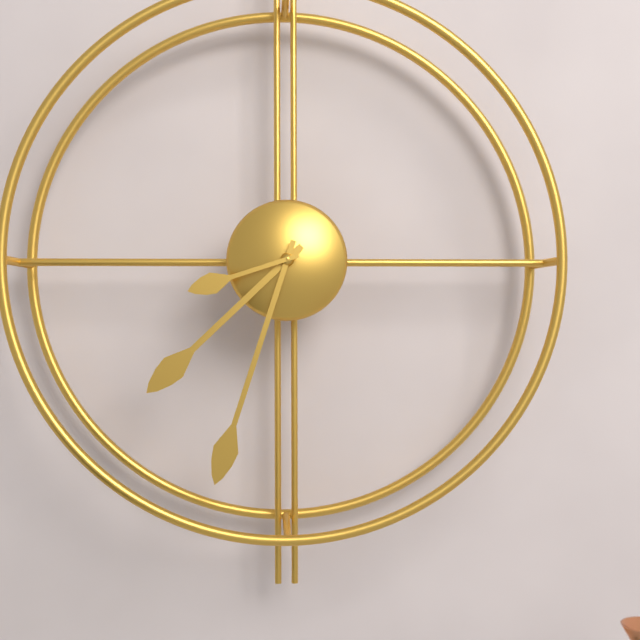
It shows 7:33:42
